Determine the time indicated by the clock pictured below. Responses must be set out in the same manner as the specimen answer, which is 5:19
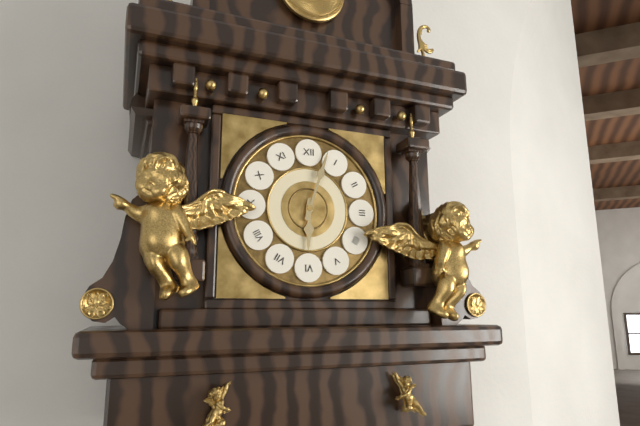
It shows 6:03
